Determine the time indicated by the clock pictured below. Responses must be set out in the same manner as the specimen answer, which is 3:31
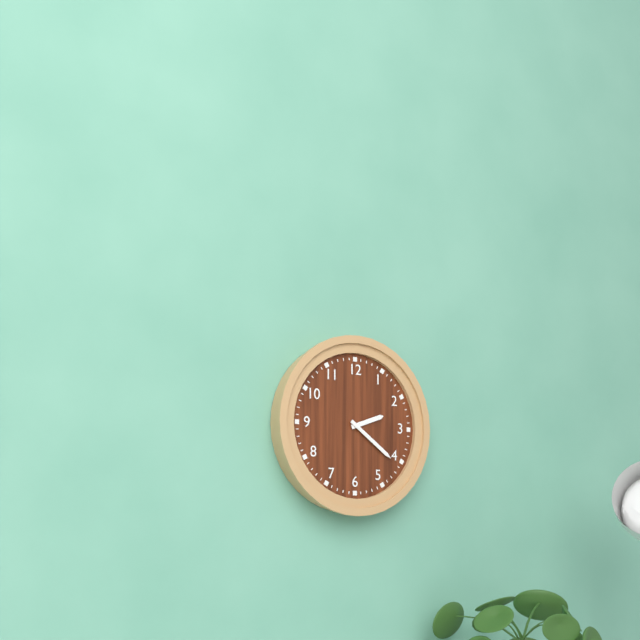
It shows 2:21
